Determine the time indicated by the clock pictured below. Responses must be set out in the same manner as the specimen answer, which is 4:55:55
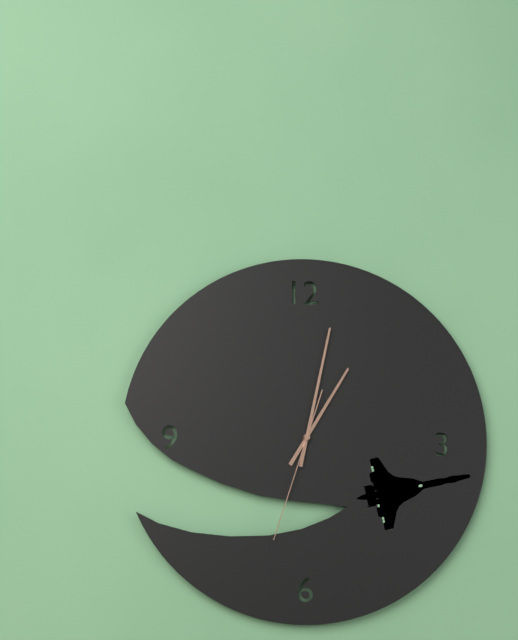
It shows 1:02:33
